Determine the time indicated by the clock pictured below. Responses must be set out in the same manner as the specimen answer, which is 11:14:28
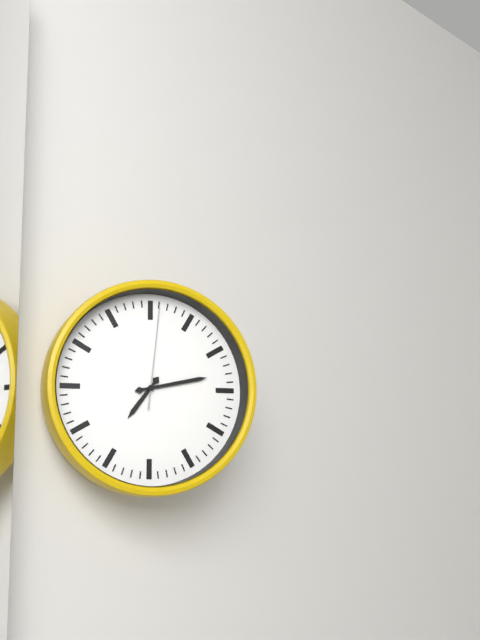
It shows 7:13:01
